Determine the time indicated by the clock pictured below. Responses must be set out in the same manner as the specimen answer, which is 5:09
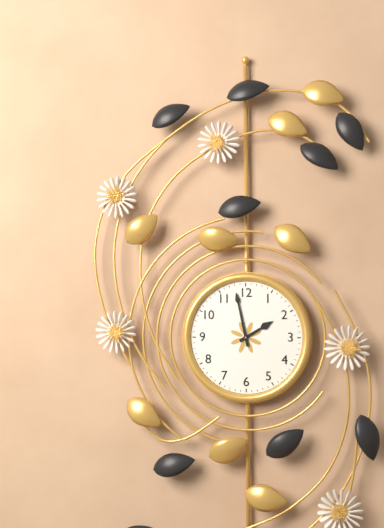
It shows 1:58
